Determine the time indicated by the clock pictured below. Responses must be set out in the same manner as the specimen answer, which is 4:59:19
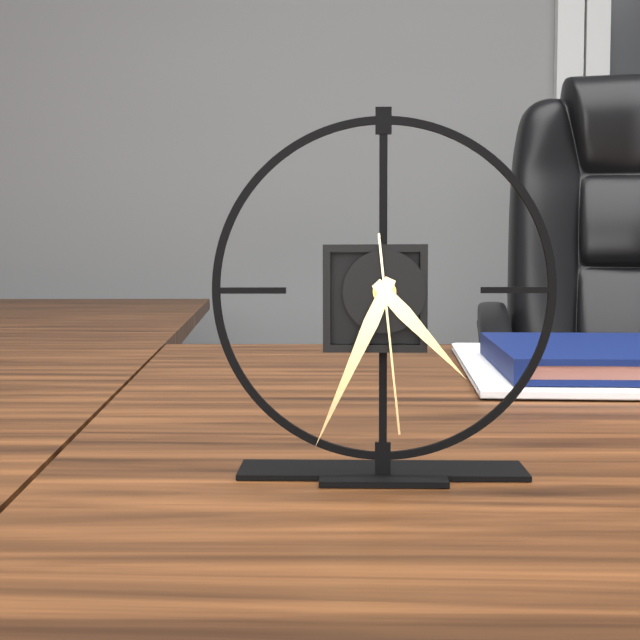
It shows 4:34:29
